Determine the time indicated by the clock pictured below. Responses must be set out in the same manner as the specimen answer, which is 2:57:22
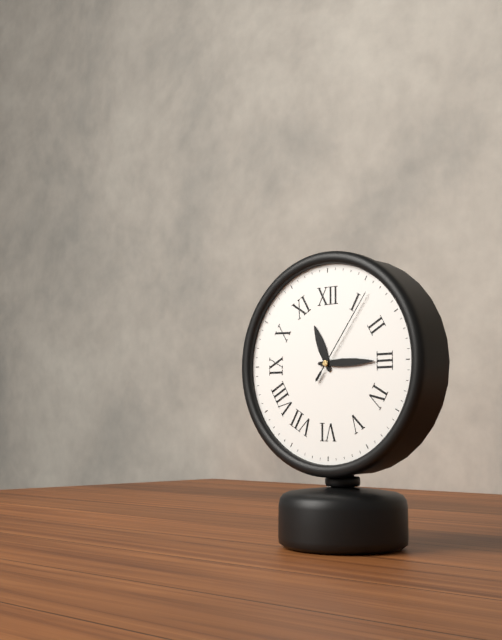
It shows 11:15:06
